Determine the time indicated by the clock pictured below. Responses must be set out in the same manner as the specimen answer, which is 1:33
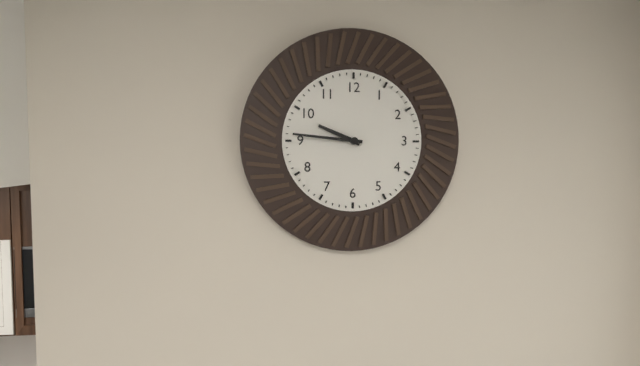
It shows 9:46
